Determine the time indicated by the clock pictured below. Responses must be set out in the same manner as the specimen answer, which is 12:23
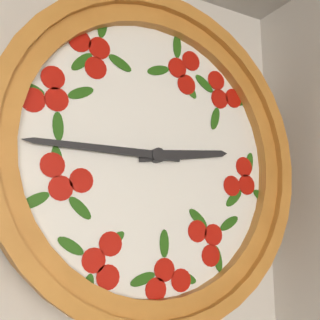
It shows 2:45
